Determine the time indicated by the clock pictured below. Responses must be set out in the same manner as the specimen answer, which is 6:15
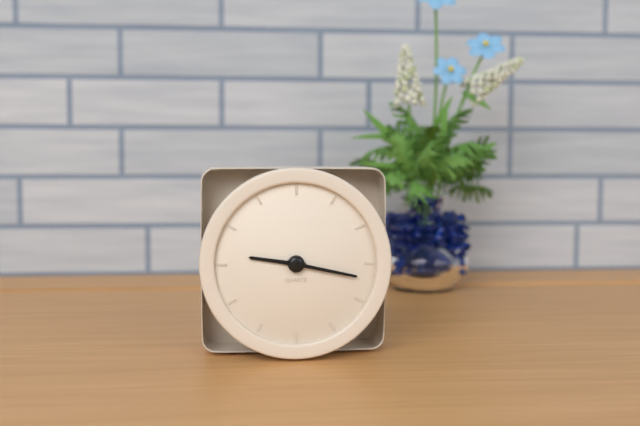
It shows 9:17
